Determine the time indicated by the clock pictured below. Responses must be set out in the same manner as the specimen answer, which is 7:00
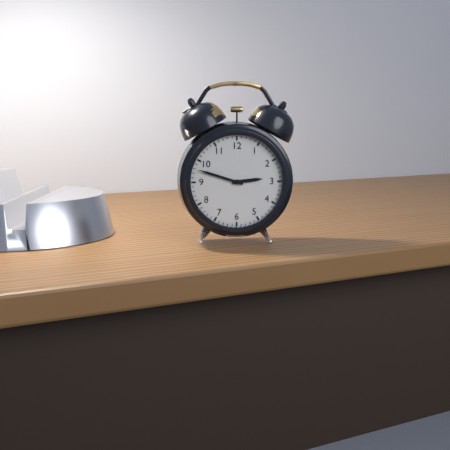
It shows 2:48
